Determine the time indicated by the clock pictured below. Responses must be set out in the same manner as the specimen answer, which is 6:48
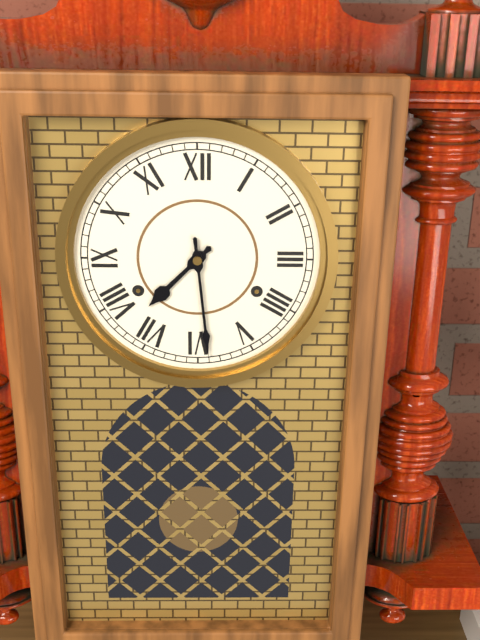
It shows 7:29
